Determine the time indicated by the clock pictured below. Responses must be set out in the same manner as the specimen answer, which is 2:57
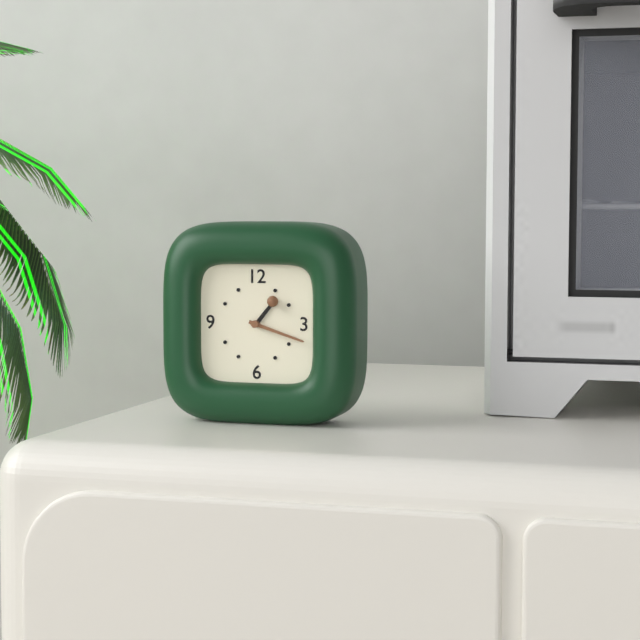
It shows 1:18
